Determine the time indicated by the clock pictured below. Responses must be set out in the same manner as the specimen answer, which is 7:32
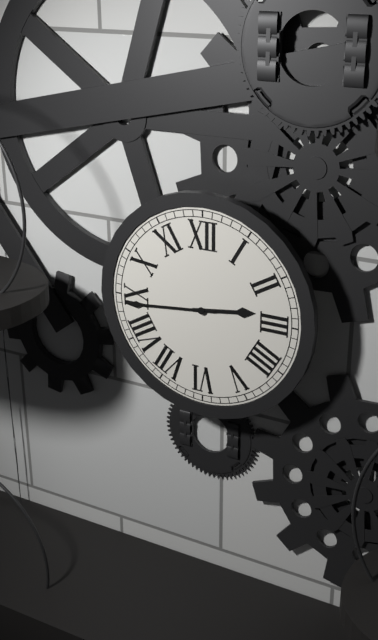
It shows 2:44
